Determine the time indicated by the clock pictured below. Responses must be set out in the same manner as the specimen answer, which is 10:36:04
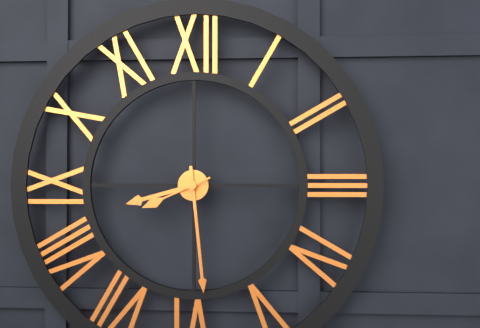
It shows 8:29:41
